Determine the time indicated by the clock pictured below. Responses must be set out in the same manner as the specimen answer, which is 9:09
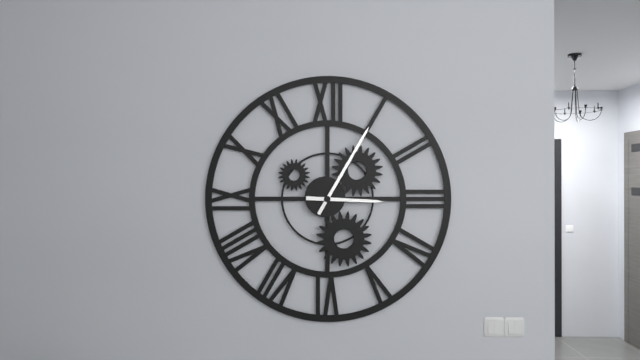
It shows 3:05
